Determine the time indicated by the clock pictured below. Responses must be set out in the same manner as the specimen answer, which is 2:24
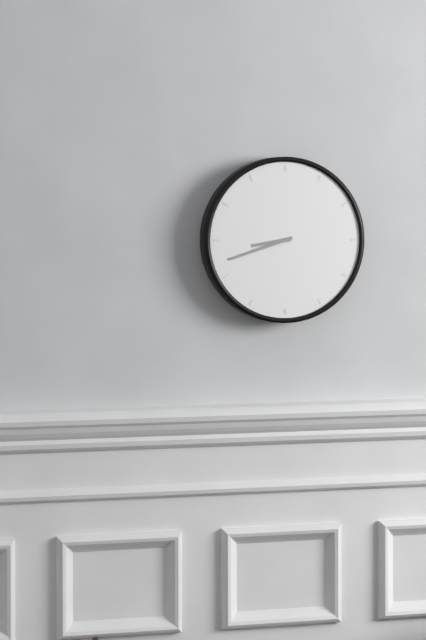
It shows 8:42
